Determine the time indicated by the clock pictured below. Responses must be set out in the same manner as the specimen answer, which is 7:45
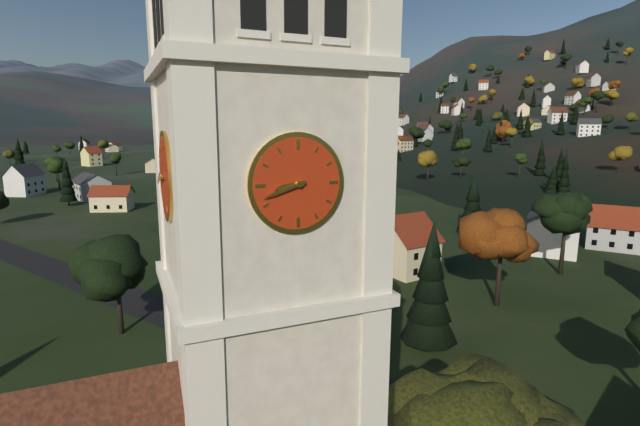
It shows 8:42
